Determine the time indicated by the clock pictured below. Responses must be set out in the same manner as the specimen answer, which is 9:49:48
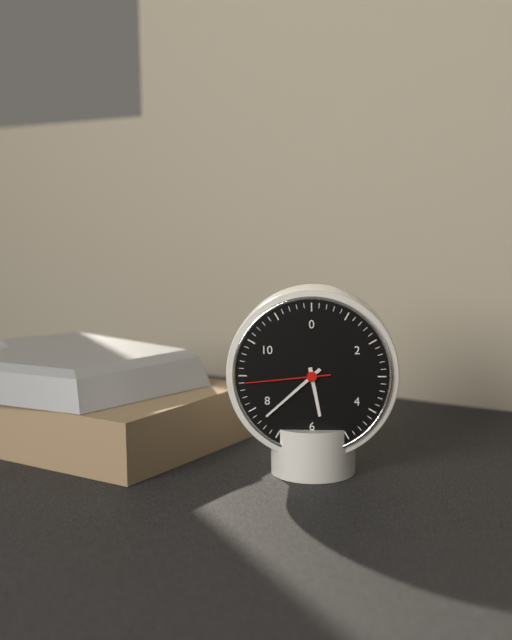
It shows 5:38:44
